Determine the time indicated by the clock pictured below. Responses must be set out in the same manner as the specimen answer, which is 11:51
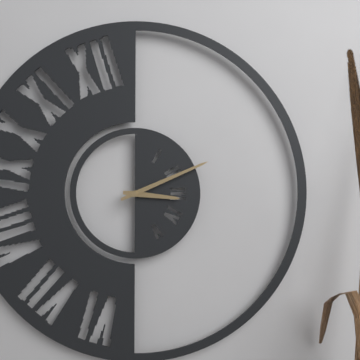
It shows 3:11
